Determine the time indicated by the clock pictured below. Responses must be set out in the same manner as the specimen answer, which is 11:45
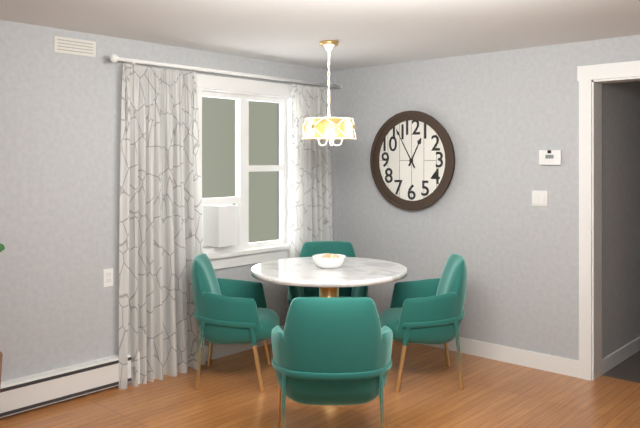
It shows 12:55
